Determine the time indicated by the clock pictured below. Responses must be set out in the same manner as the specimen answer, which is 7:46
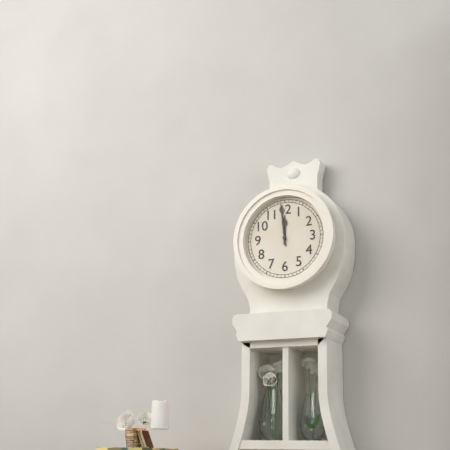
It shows 11:59
